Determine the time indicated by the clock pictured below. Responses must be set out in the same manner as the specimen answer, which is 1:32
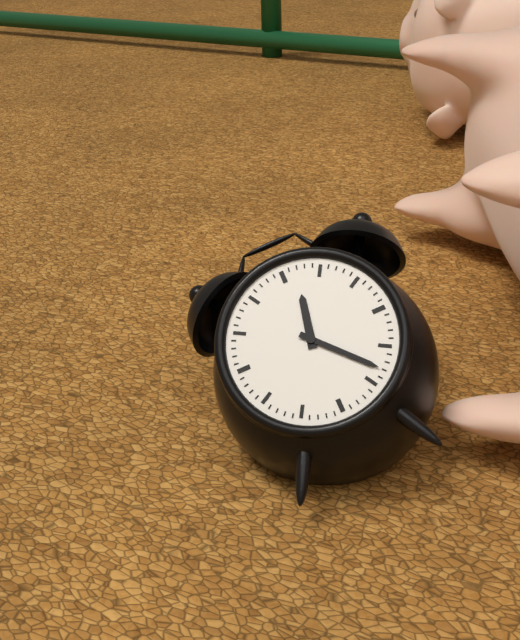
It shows 12:23
